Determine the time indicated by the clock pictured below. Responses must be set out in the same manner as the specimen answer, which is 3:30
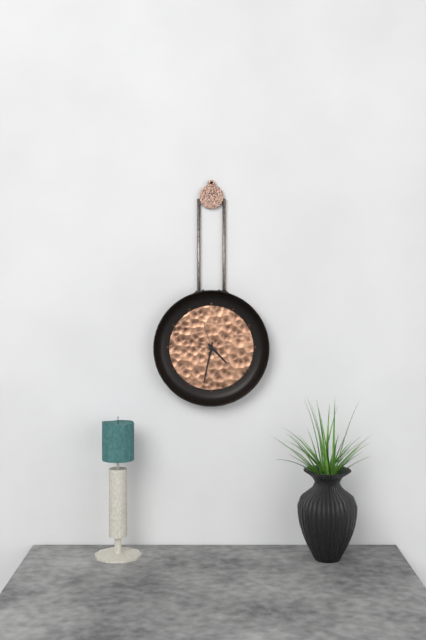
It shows 4:32
